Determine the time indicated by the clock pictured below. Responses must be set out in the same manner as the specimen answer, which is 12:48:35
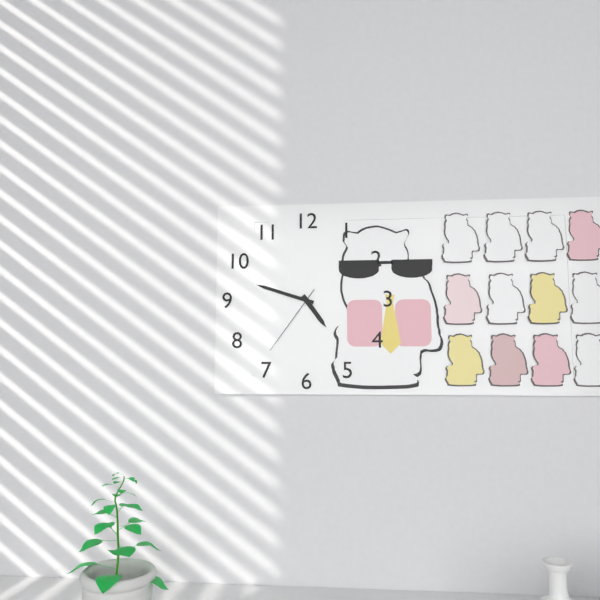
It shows 4:48:36
